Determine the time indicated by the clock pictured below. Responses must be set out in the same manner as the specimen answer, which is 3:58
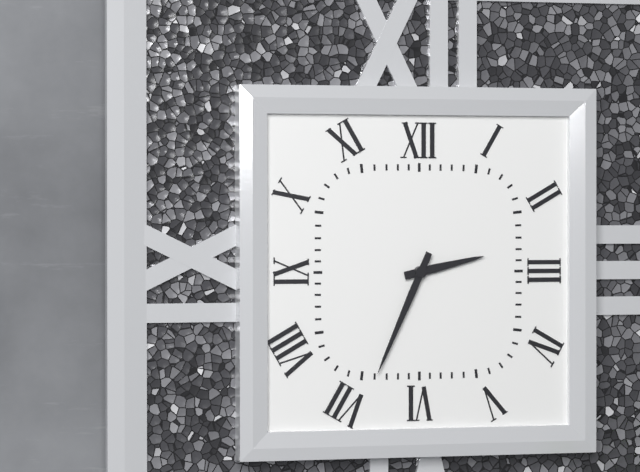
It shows 2:34
